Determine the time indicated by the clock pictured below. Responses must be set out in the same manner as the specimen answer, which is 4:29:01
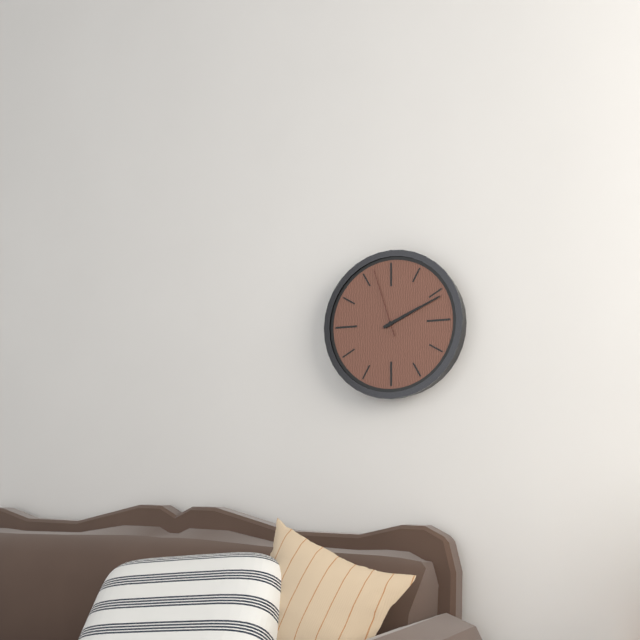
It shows 2:11:57
